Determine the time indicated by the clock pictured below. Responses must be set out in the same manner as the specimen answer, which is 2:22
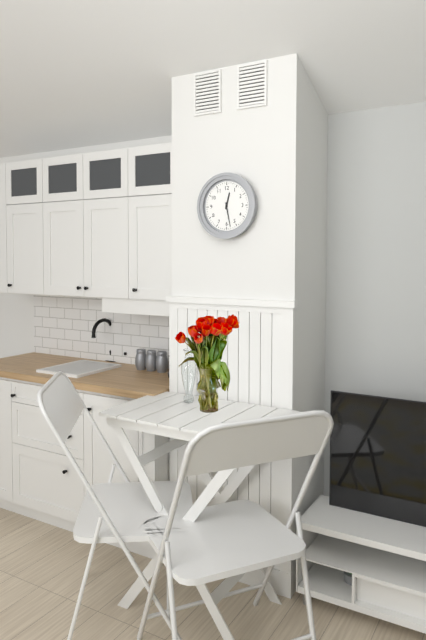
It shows 12:28
